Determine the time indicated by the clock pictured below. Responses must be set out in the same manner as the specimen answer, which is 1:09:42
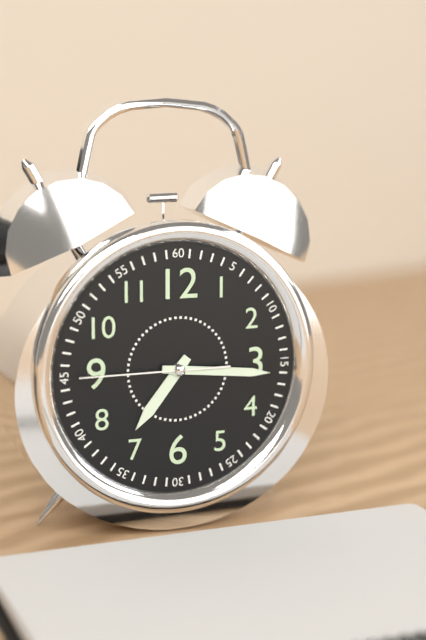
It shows 7:16:45
